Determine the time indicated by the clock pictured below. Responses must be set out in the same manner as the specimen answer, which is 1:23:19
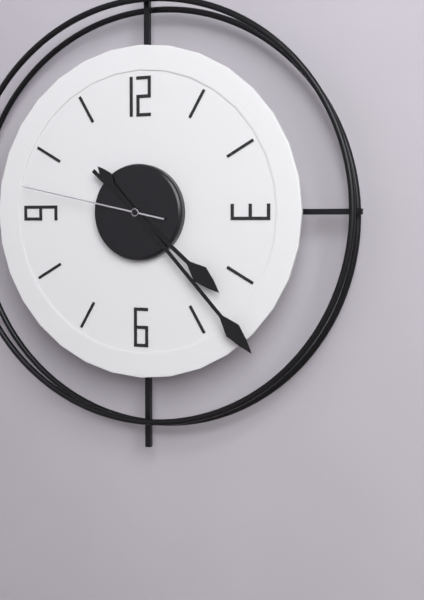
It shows 4:23:47
